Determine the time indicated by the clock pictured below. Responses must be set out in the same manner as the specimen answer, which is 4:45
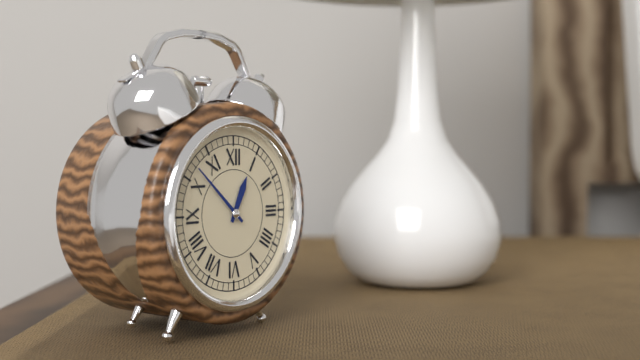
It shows 12:52
